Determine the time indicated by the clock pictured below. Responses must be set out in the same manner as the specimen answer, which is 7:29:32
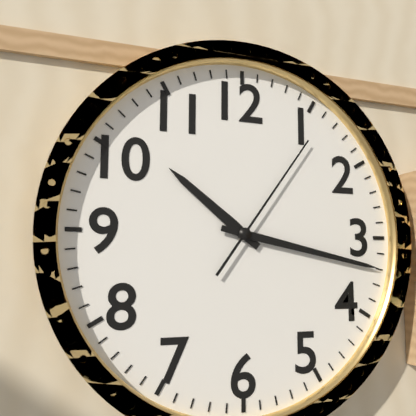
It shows 10:17:06
